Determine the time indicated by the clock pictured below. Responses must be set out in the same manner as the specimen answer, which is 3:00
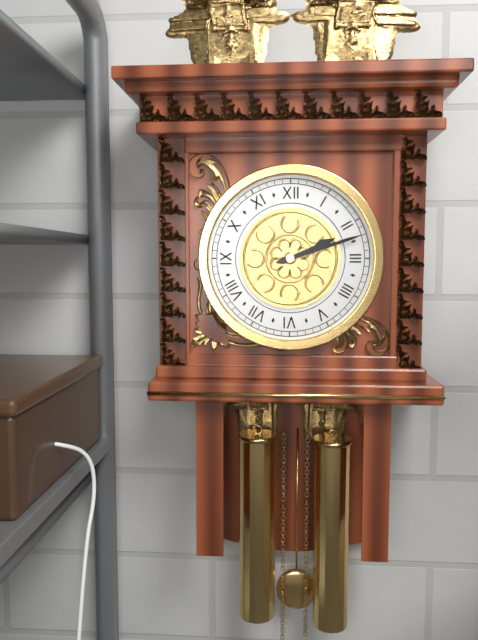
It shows 2:12
